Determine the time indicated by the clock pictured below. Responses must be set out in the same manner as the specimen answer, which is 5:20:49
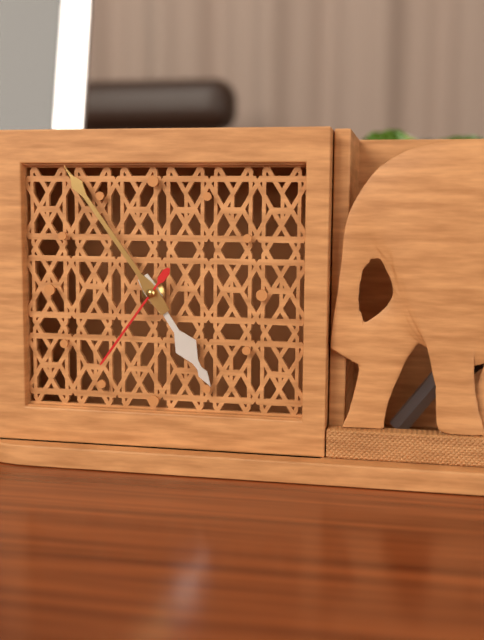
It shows 4:54:36
